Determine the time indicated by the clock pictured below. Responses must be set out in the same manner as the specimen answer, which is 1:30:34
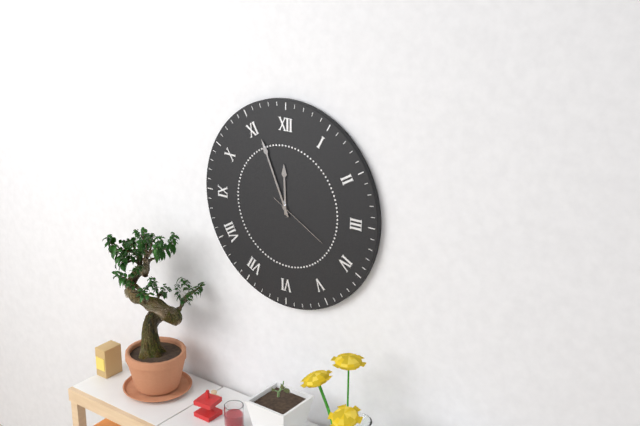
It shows 11:56:20
